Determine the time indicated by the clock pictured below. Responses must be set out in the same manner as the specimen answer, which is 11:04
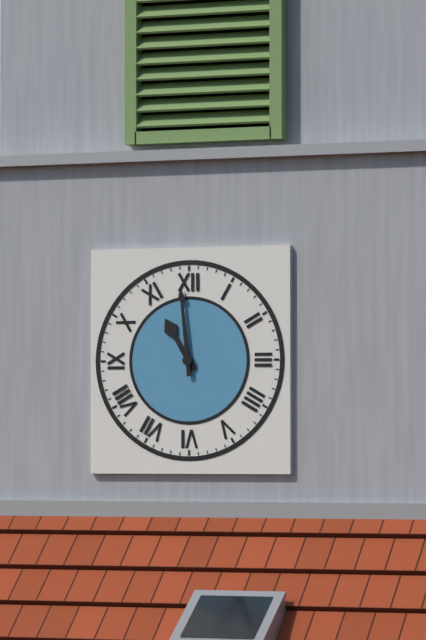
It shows 10:59
